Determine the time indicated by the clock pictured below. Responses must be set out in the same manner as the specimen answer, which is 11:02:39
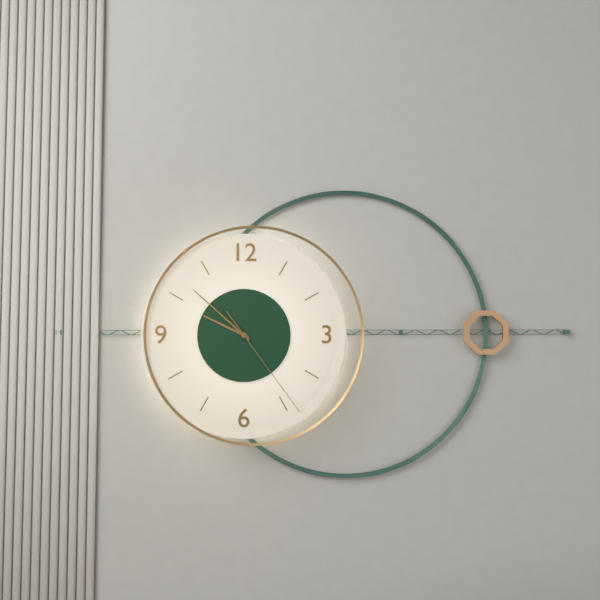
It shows 9:52:24
